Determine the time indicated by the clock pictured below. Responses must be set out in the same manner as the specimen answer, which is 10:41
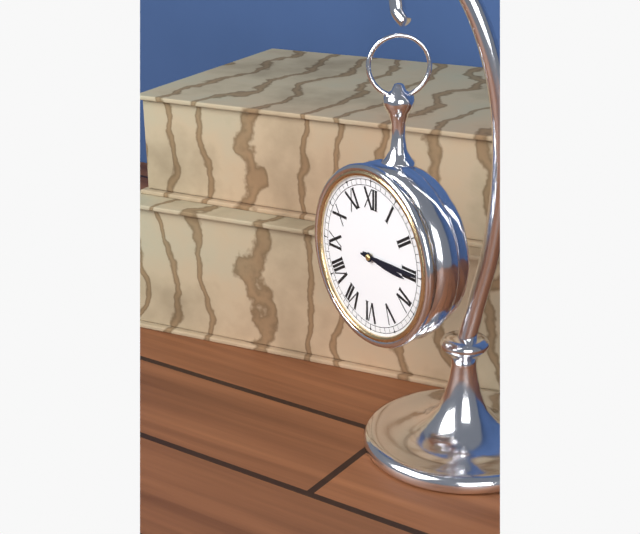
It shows 3:15
